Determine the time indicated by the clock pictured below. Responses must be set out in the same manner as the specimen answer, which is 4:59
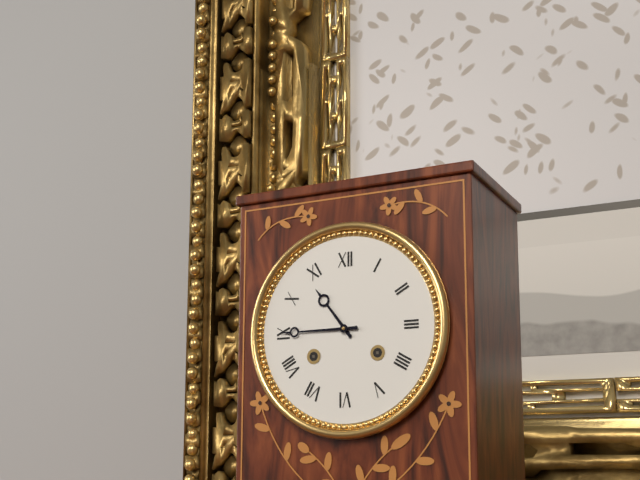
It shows 10:45
